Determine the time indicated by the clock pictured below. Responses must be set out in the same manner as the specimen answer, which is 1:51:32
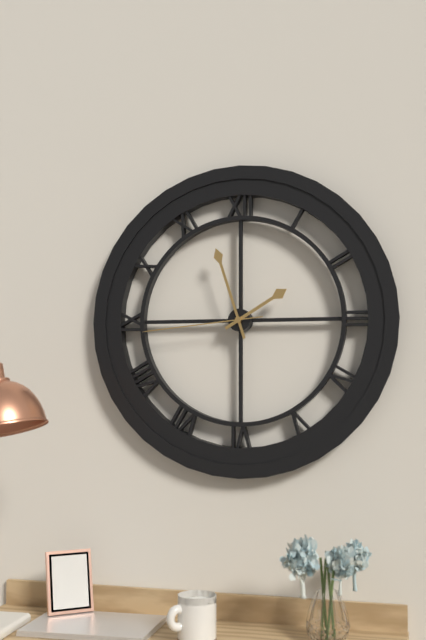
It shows 1:57:44
